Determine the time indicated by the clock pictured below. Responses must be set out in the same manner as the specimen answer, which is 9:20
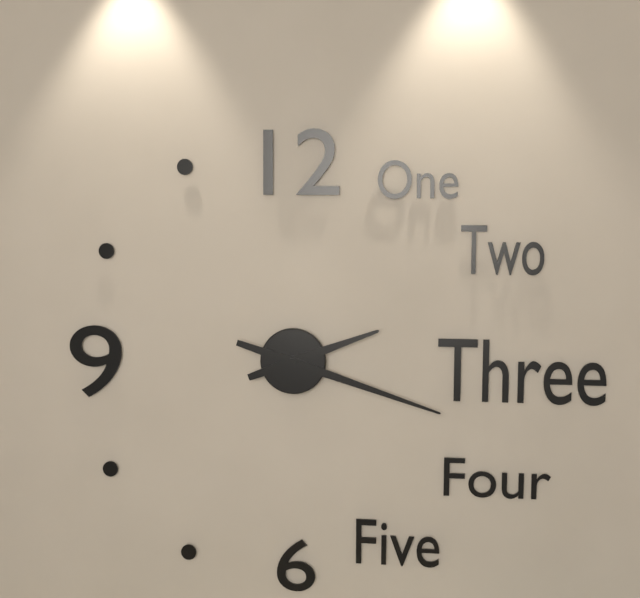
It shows 2:18
